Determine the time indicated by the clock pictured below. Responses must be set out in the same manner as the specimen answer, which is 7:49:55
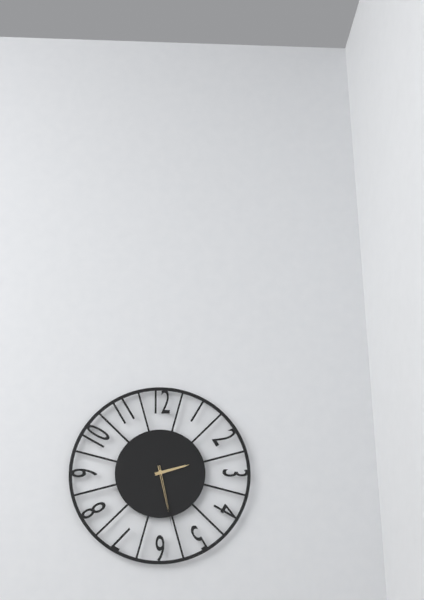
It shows 2:28:28
